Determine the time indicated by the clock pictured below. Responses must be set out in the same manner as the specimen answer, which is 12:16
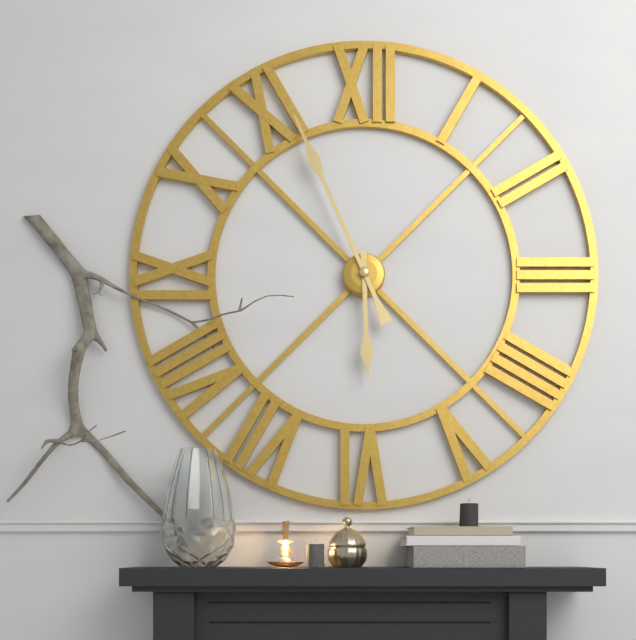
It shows 5:56
